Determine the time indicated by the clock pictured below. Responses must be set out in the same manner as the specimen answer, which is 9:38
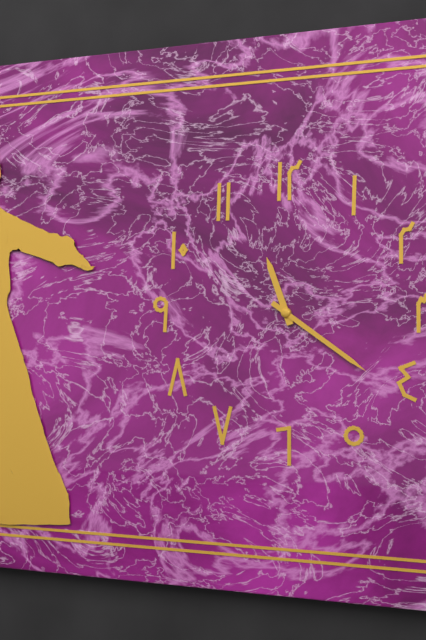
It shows 11:21
